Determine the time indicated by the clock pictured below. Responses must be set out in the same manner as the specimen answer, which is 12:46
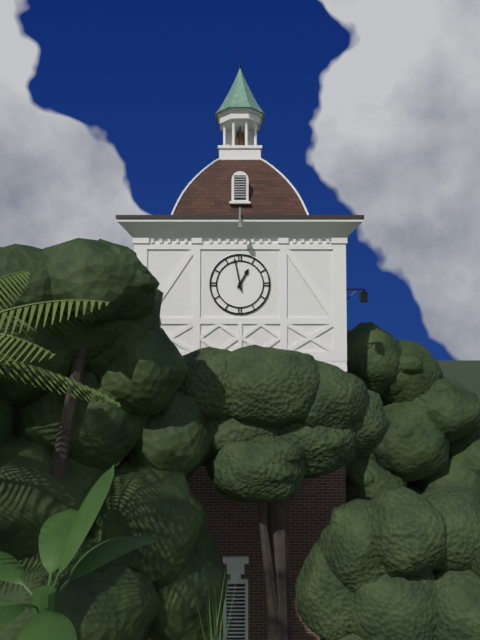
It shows 12:58
